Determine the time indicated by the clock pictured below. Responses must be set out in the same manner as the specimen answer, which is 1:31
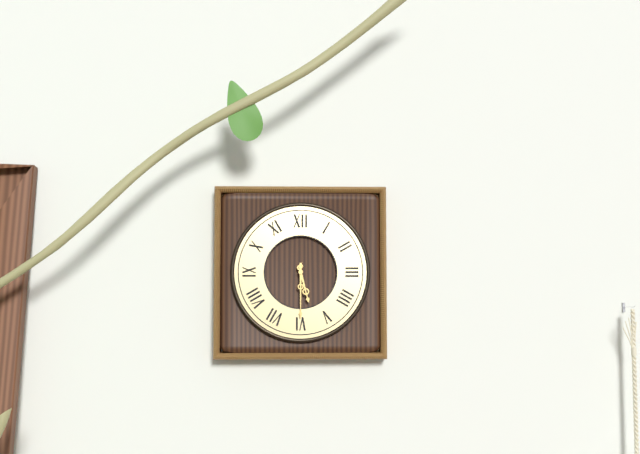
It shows 5:30
